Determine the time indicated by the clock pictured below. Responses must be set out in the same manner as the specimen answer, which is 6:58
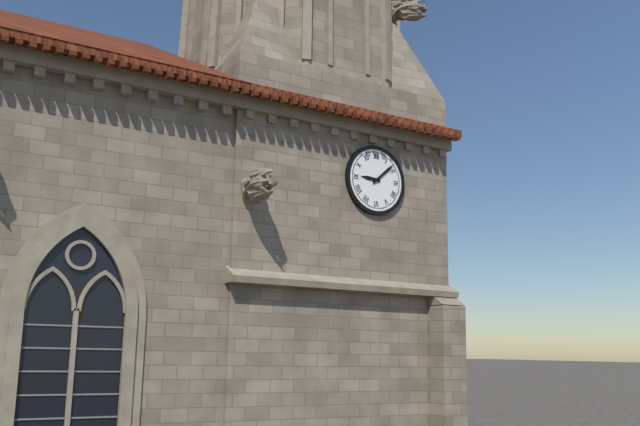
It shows 9:08
